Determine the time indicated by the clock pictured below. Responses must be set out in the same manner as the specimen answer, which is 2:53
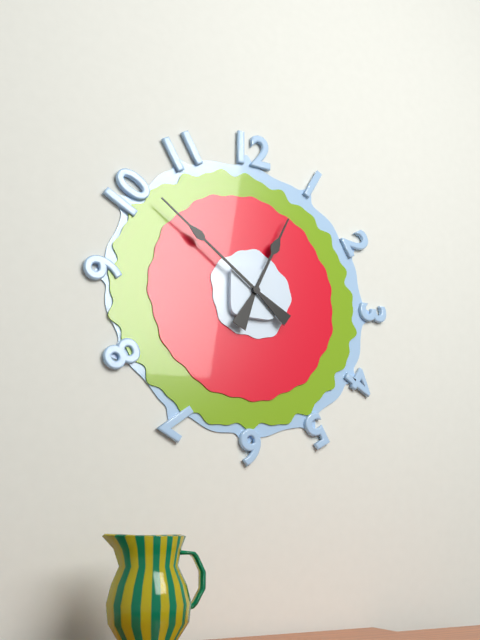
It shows 12:51
